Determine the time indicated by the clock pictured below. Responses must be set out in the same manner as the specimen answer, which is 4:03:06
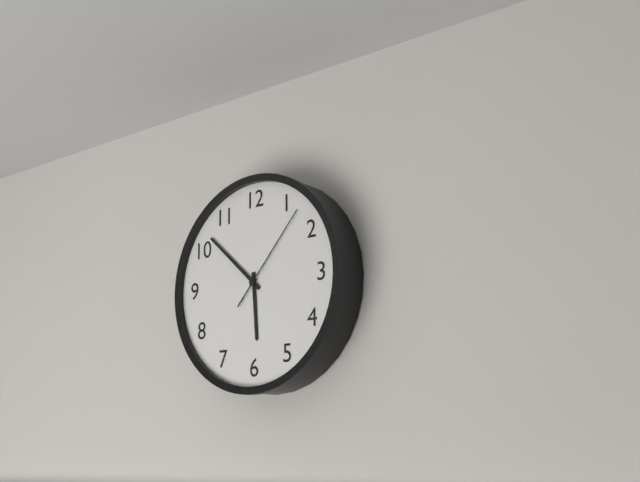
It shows 5:52:07
